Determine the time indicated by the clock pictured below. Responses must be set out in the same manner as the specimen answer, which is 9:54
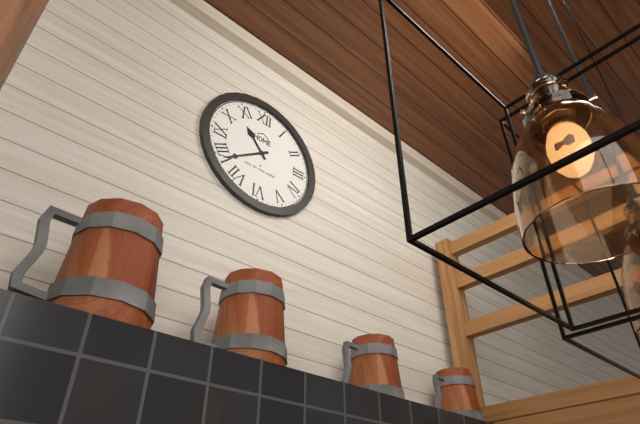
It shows 10:39
